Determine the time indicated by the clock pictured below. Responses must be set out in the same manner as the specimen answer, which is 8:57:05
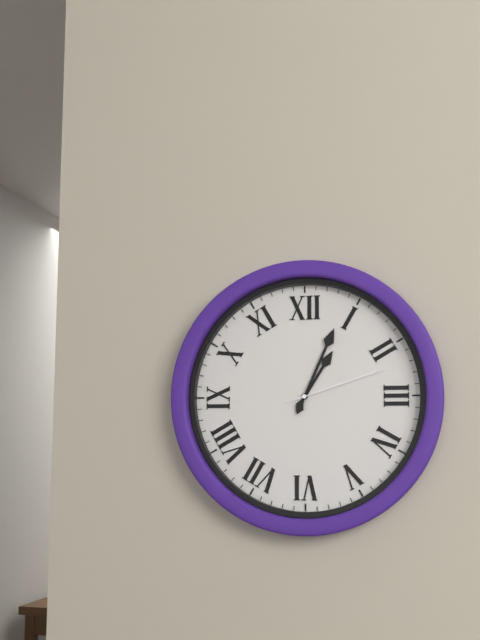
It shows 1:04:12
